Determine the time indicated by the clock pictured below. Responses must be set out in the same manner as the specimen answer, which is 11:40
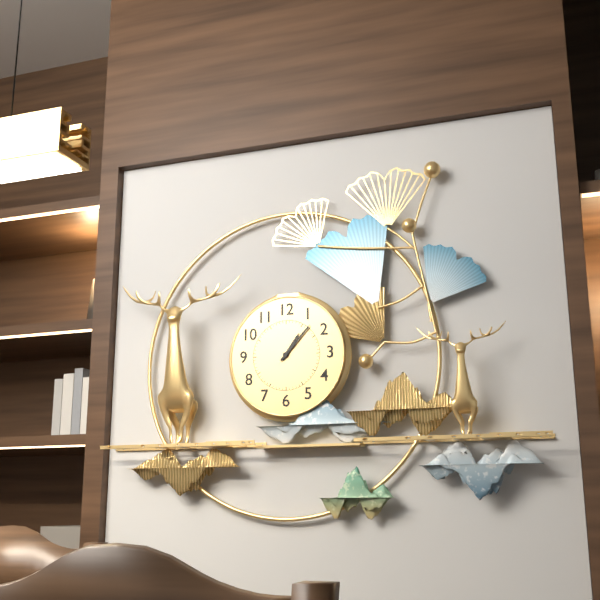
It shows 1:07
